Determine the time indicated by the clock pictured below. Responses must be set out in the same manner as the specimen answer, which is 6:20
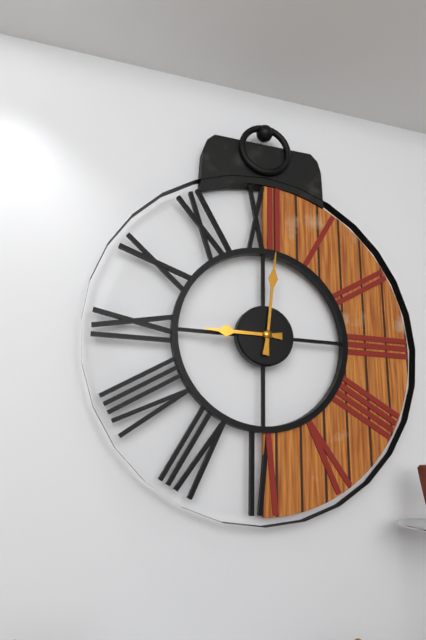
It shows 9:01
